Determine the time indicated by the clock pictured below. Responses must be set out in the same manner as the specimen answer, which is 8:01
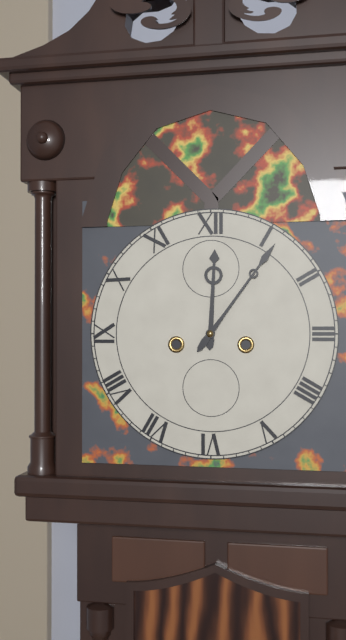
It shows 12:06
